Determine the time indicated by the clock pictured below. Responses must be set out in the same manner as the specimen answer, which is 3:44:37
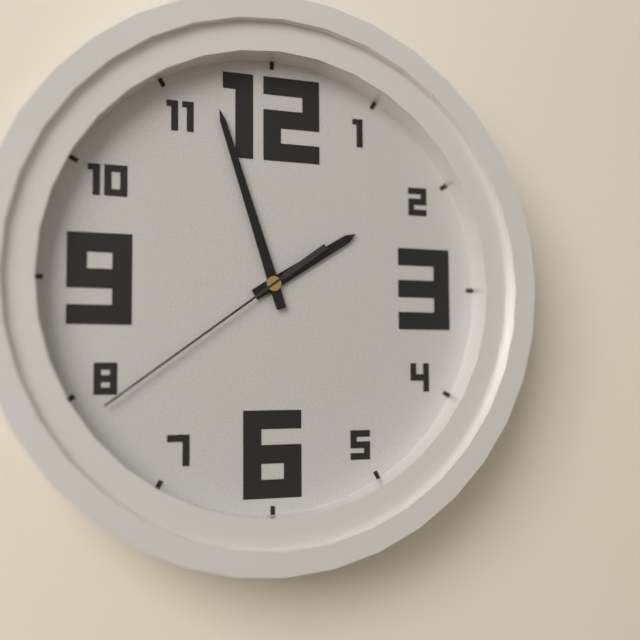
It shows 1:57:39
